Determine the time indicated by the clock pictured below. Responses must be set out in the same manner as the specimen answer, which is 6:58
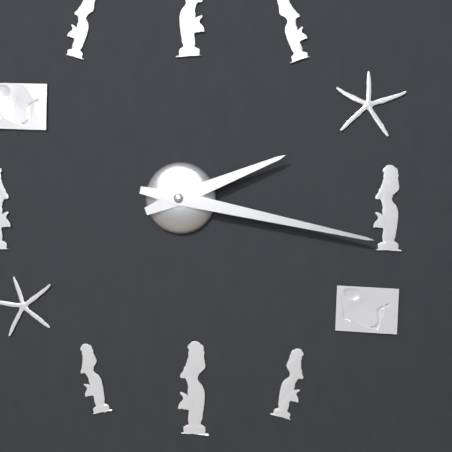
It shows 2:17
